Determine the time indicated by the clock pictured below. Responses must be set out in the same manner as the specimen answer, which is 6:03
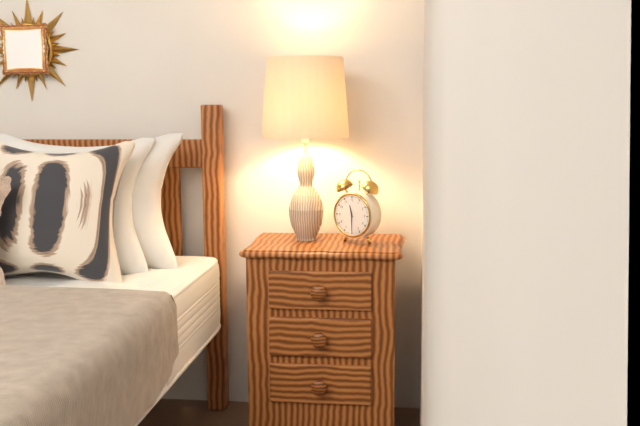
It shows 11:30
